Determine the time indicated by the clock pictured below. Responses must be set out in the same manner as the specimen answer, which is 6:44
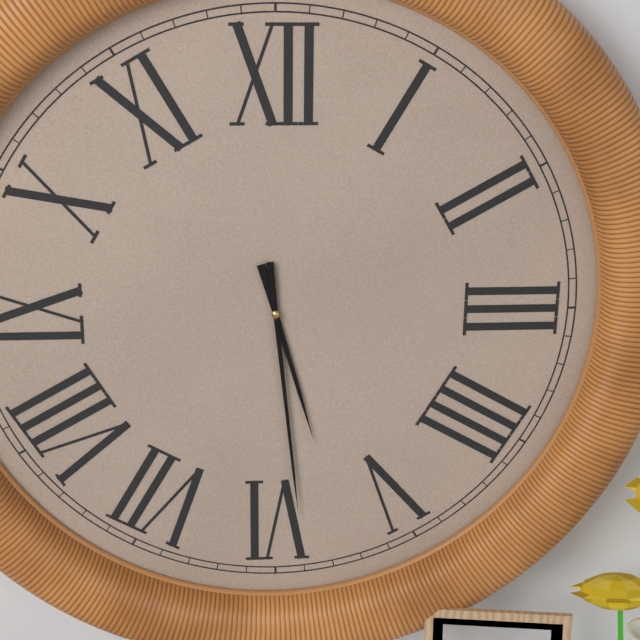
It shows 5:29
